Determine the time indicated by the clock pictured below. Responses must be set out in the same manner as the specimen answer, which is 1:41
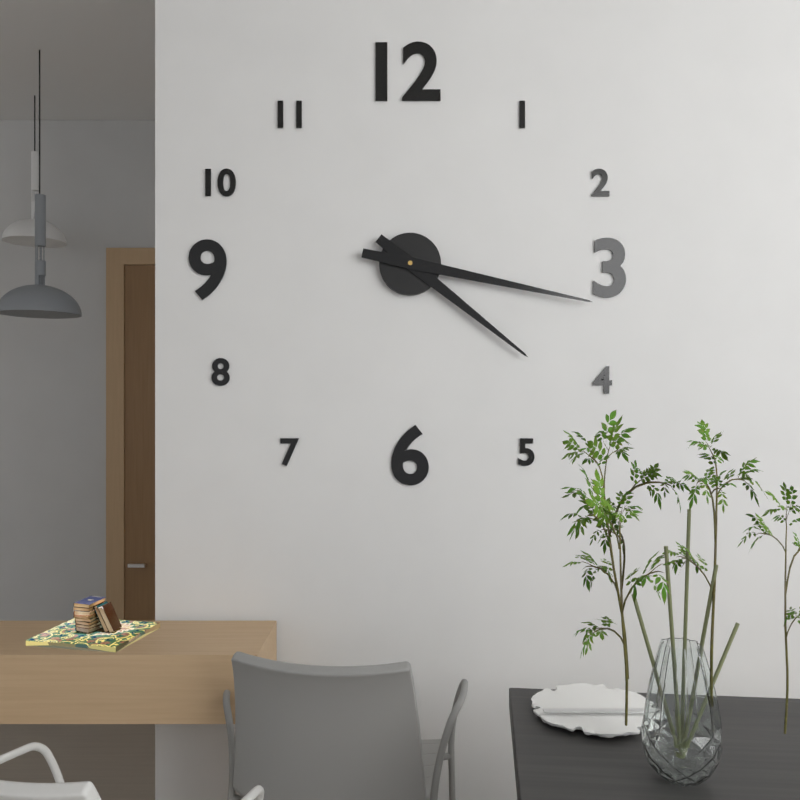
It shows 4:17
